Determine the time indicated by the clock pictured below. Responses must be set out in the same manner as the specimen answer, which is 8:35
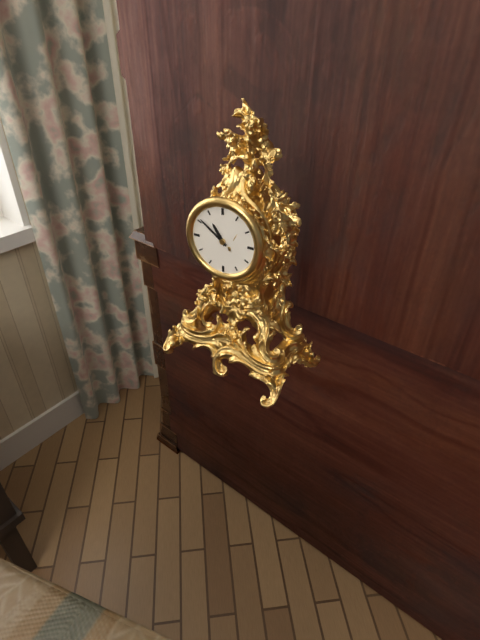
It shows 10:51
